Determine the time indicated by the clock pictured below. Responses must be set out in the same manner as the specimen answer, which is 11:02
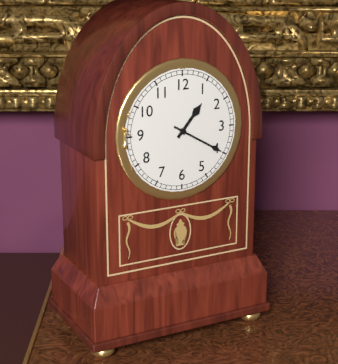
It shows 1:20
